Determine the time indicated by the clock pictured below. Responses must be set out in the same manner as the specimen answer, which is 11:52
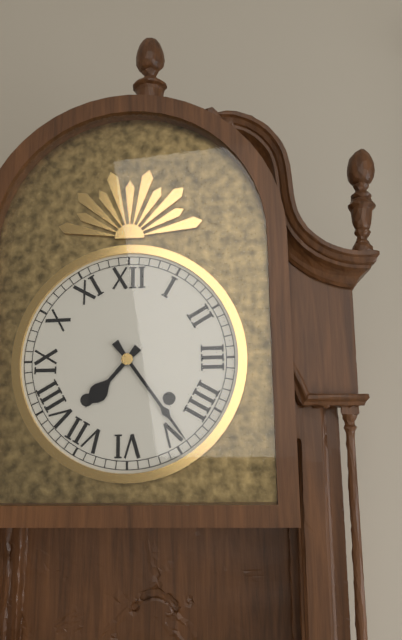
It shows 7:24
